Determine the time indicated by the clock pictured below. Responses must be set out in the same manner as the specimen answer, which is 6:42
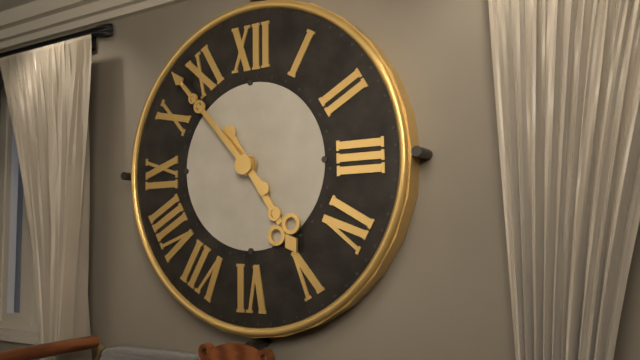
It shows 4:53
